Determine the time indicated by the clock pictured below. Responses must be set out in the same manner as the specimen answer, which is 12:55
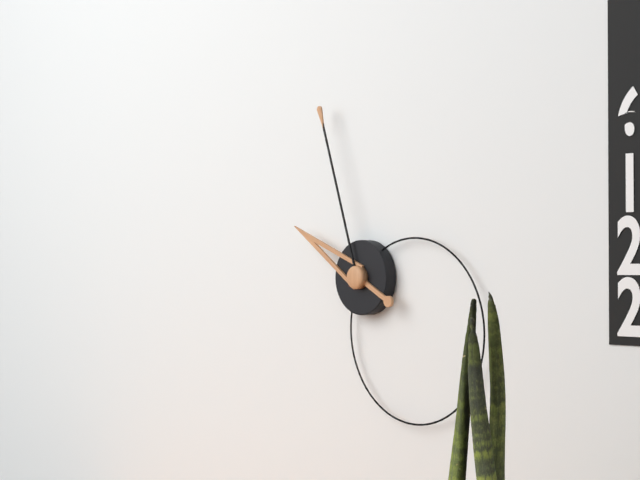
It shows 9:57
